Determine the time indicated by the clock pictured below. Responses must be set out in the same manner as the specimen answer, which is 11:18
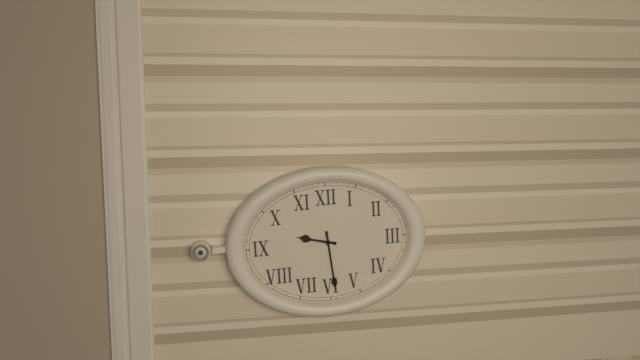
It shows 9:29
